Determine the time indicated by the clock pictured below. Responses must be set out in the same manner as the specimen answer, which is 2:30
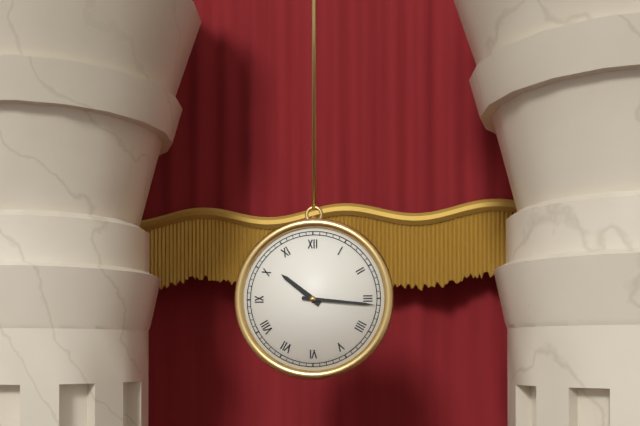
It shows 10:16
